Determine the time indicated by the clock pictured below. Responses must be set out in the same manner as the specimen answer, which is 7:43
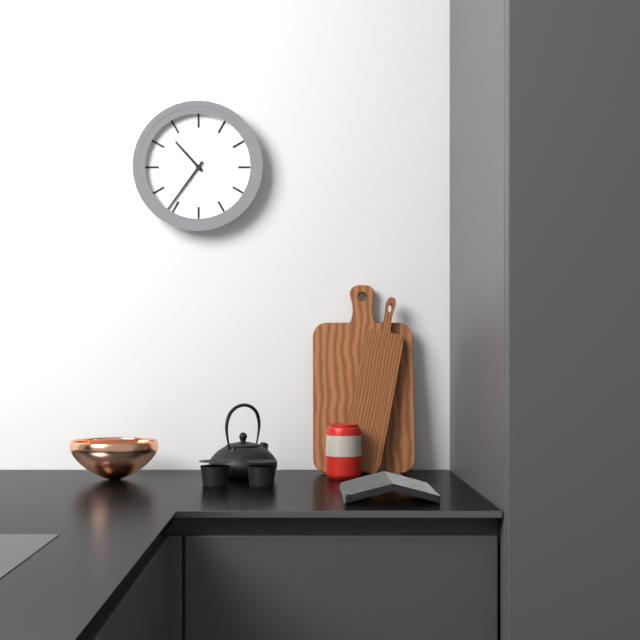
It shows 10:36
